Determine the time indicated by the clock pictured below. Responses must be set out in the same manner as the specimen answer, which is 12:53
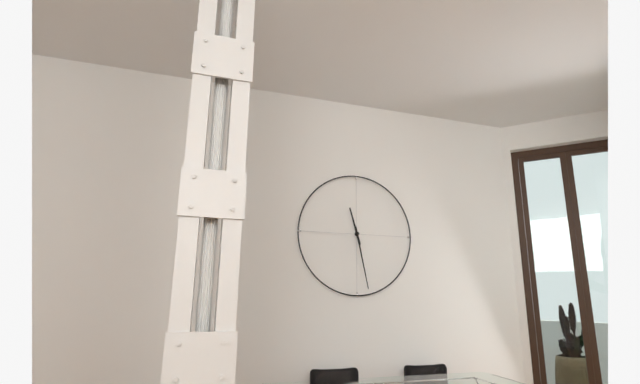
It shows 11:28
